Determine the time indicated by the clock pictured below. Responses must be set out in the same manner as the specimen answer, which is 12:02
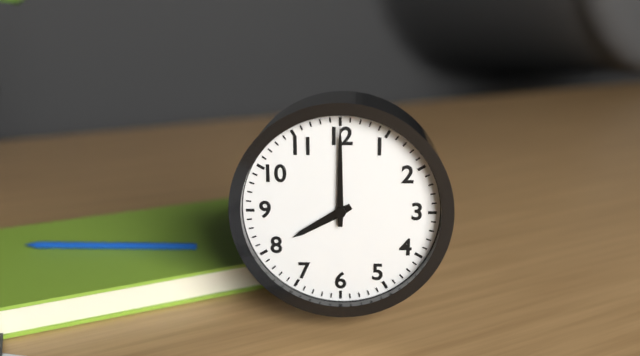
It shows 8:00
